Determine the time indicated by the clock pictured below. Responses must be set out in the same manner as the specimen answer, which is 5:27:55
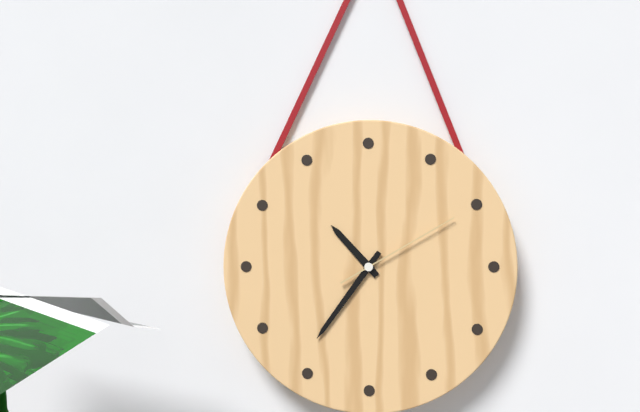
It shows 10:36:10
